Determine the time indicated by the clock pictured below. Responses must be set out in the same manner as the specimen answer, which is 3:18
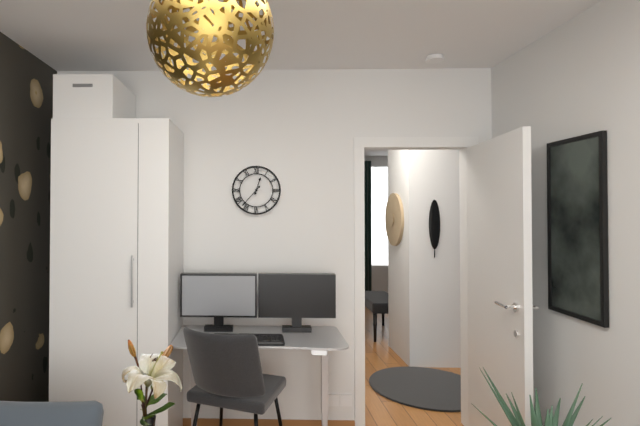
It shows 12:37
